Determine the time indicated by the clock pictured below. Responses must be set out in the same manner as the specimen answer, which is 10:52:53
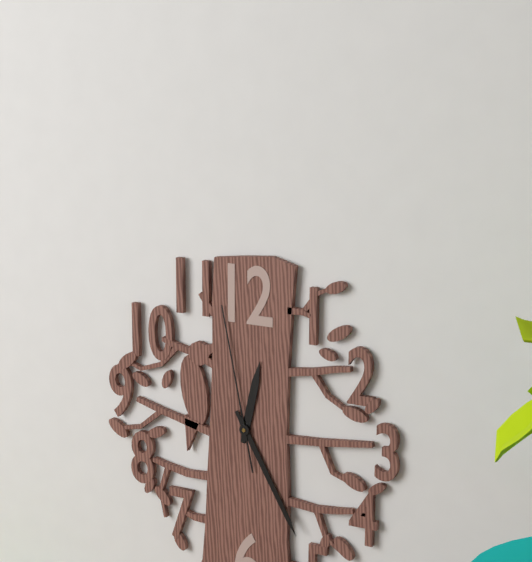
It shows 12:25:58
